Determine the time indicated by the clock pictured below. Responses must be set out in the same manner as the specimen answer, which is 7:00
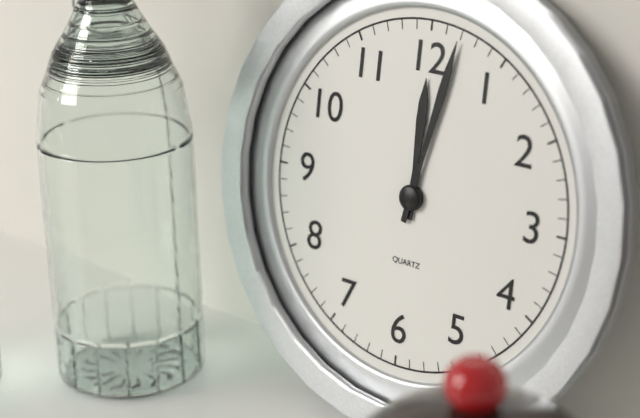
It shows 12:02
